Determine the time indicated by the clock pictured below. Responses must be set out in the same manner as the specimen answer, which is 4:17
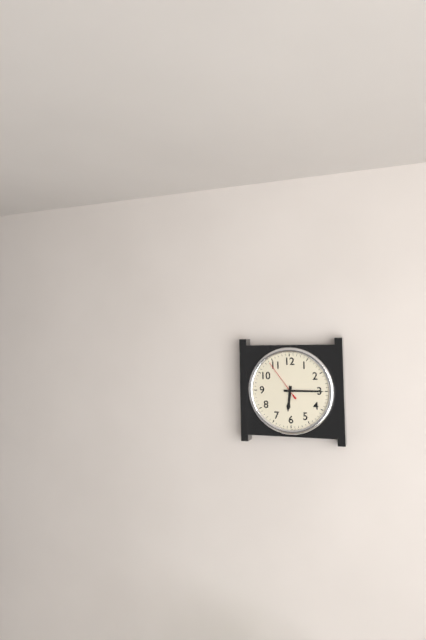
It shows 6:15
